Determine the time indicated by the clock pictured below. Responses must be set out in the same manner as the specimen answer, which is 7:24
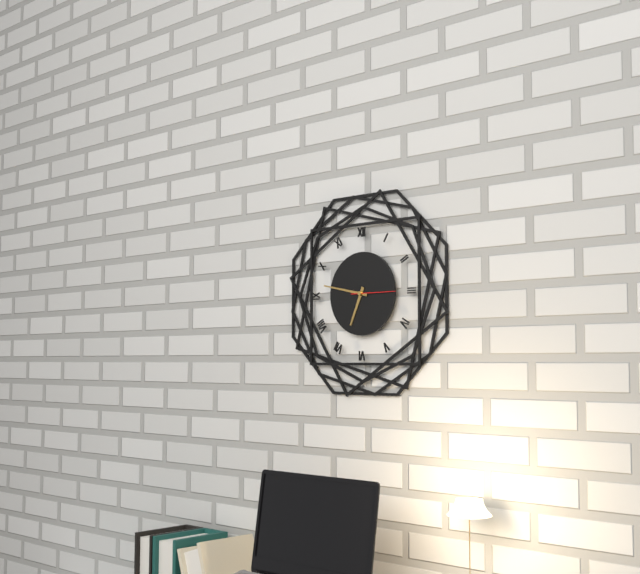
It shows 6:47
